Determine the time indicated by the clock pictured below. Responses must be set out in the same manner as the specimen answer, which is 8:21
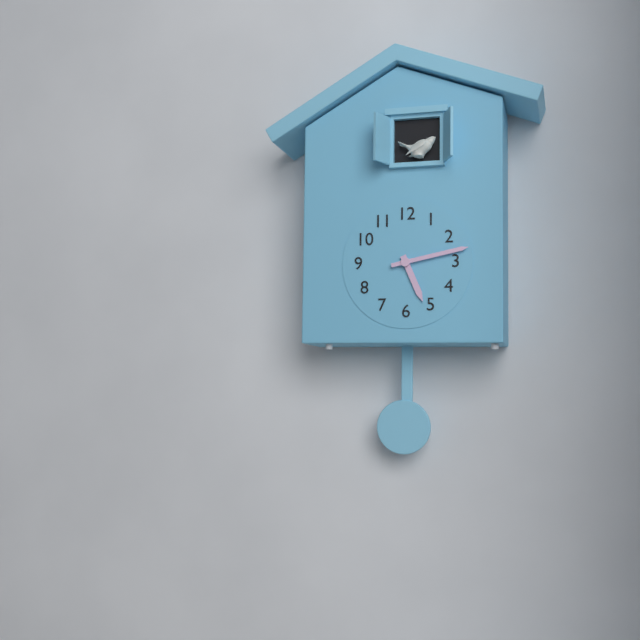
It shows 5:13
